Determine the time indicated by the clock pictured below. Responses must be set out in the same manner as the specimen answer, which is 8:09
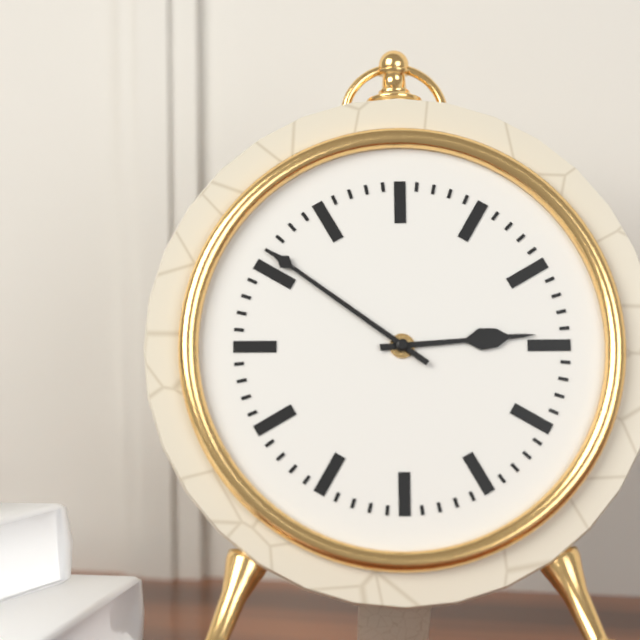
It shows 2:51
